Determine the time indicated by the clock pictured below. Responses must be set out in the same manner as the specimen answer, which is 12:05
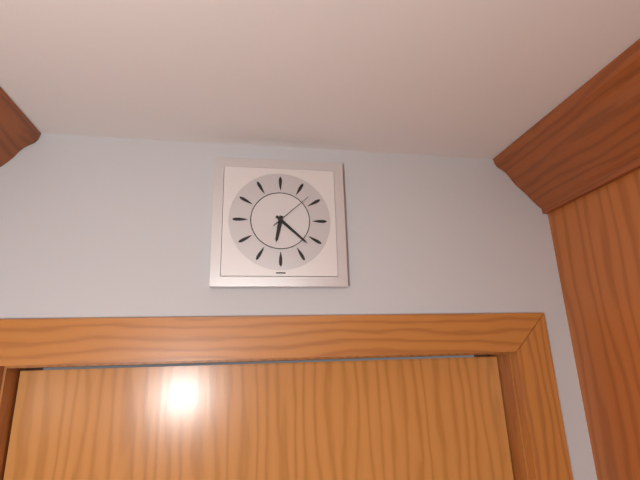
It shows 6:22
